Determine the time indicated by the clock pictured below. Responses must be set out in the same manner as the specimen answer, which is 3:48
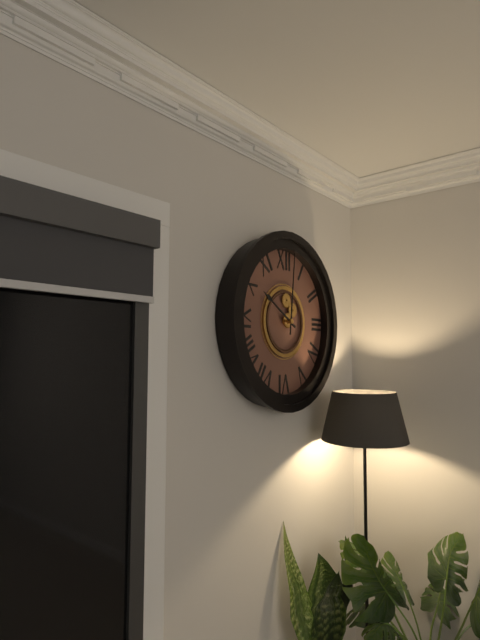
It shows 10:01
